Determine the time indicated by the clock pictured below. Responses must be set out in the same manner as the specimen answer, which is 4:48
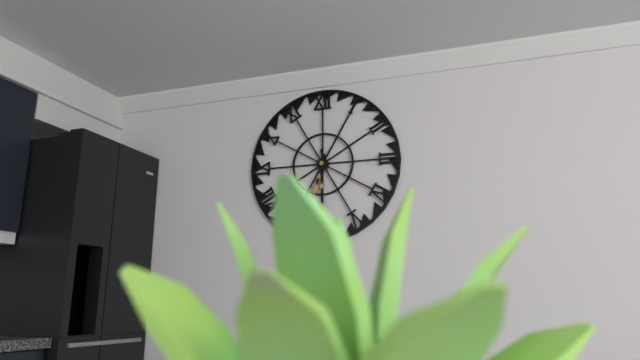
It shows 6:30
